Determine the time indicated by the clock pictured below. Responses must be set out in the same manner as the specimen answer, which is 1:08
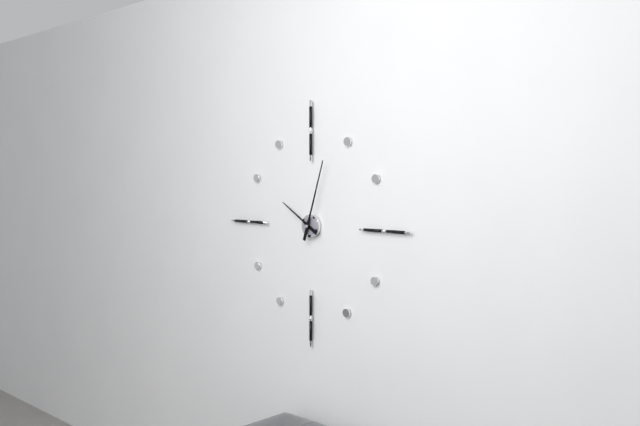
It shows 10:03
